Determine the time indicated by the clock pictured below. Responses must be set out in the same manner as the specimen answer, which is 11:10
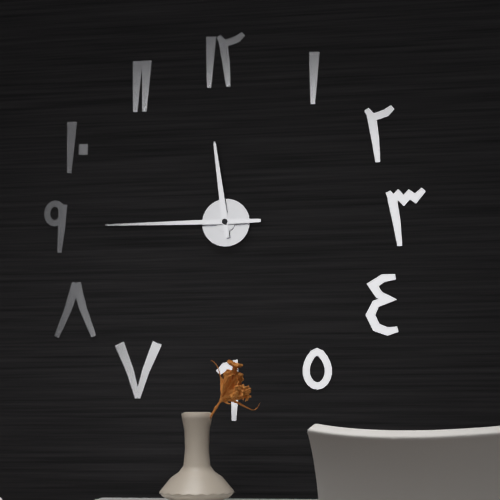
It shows 11:45
